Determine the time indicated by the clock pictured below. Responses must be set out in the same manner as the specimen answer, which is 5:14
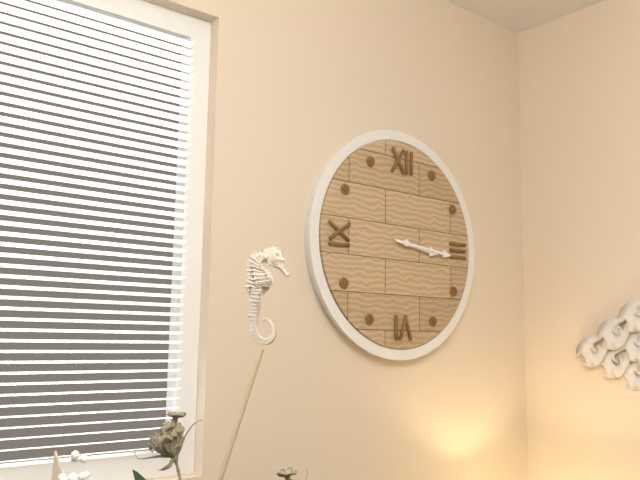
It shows 3:16
